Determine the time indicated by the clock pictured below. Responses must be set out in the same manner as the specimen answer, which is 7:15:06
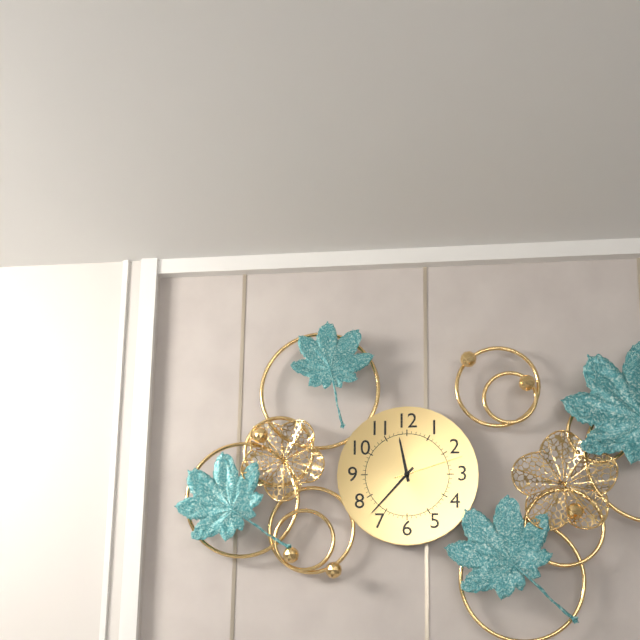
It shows 11:37:12
